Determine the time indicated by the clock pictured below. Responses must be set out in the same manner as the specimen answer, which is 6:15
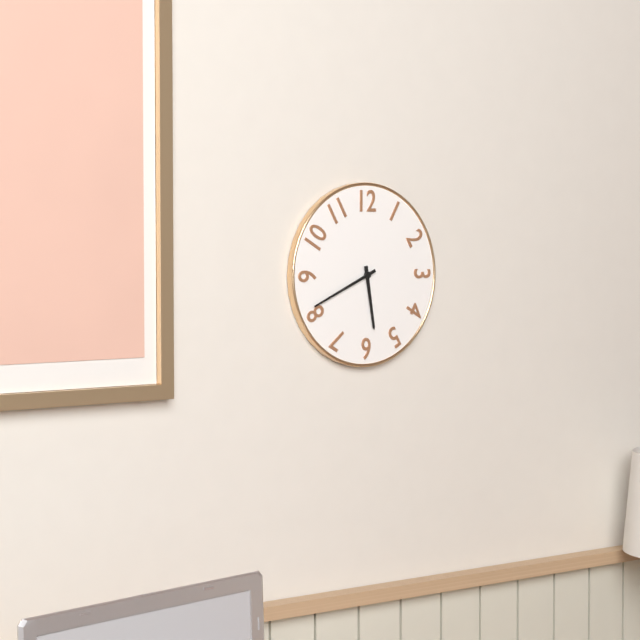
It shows 5:41
